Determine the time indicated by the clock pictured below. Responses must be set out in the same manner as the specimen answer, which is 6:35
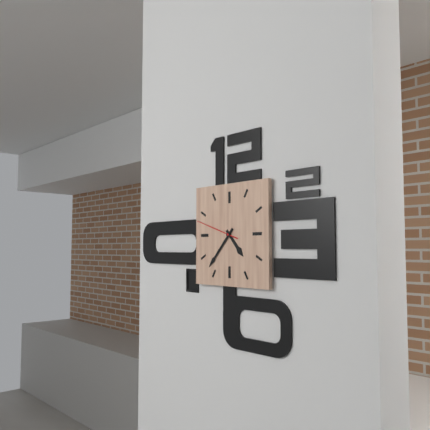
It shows 4:37
